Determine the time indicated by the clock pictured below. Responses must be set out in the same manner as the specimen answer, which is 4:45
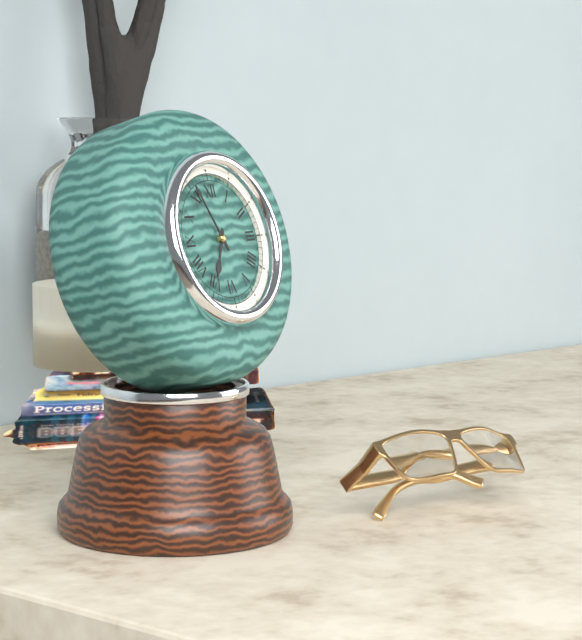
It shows 6:56
